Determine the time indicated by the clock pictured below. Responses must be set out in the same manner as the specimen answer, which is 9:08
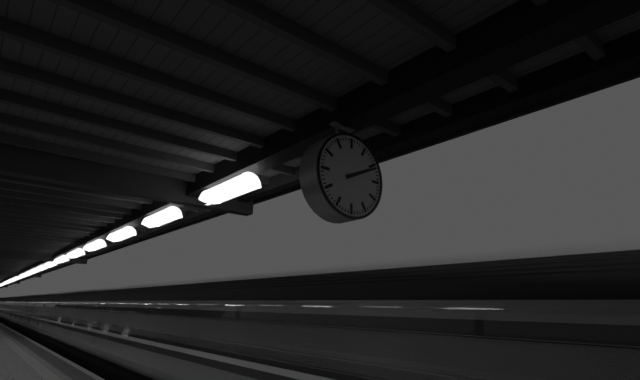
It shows 2:11
